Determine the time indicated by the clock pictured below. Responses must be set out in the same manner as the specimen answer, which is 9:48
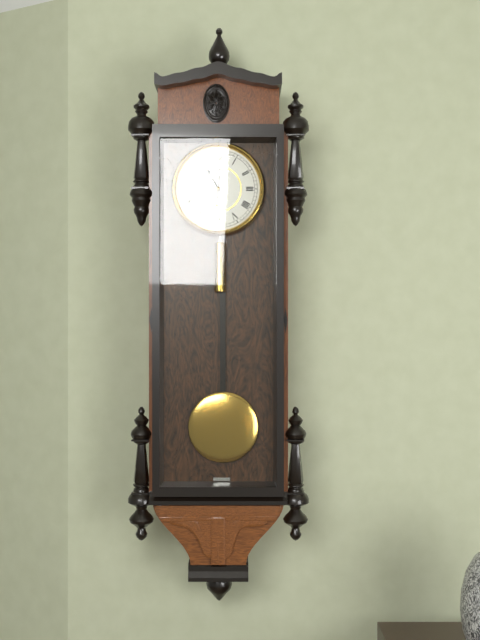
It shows 11:01
